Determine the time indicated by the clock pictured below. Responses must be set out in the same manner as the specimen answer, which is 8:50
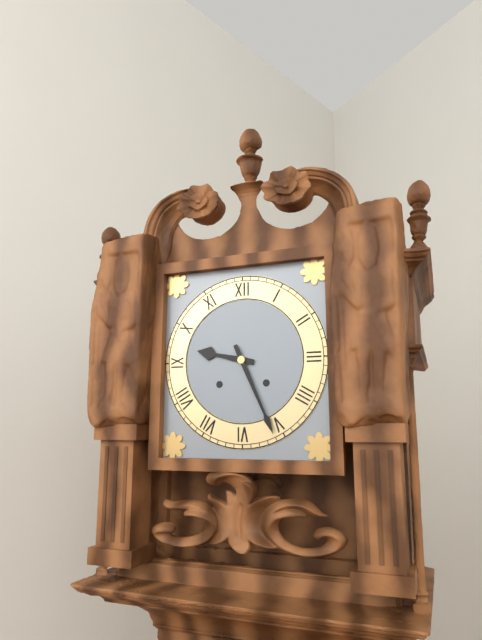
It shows 9:26
